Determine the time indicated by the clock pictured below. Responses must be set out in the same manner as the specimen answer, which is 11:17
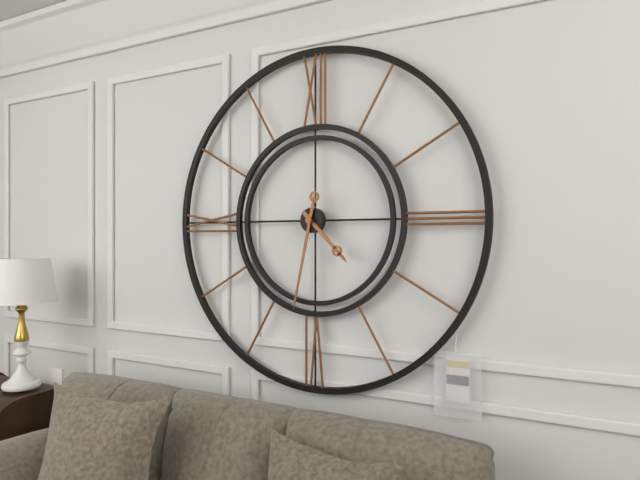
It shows 4:32
